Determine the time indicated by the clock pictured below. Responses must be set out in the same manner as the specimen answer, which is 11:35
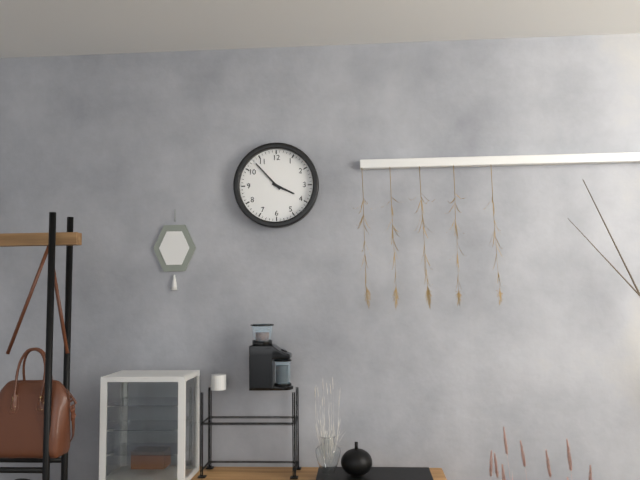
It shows 3:53
